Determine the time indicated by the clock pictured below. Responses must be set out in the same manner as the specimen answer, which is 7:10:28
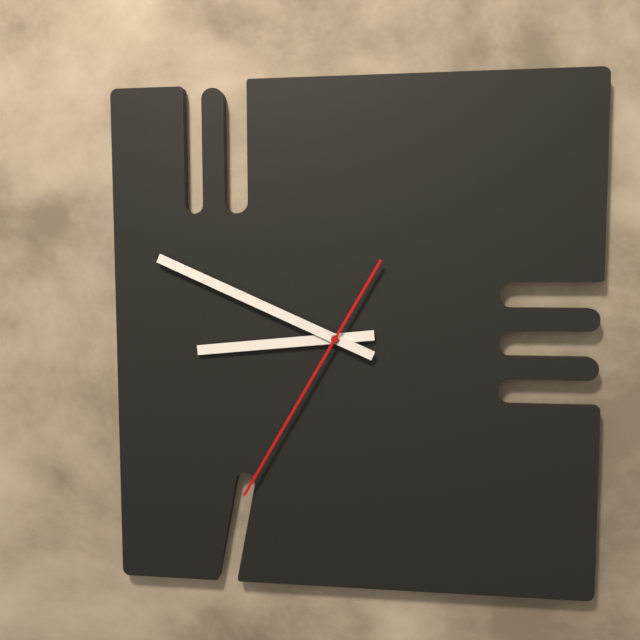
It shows 8:49:35
